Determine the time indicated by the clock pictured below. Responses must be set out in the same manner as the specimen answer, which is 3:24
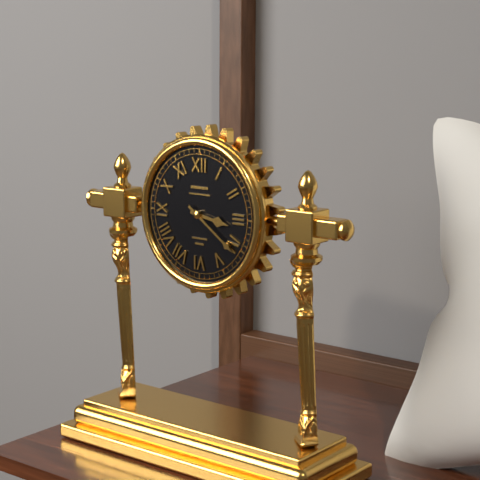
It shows 3:21
